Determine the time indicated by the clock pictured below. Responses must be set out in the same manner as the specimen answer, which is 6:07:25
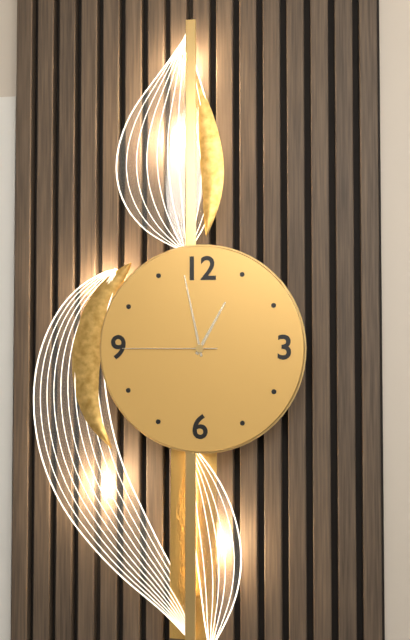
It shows 12:58:45
